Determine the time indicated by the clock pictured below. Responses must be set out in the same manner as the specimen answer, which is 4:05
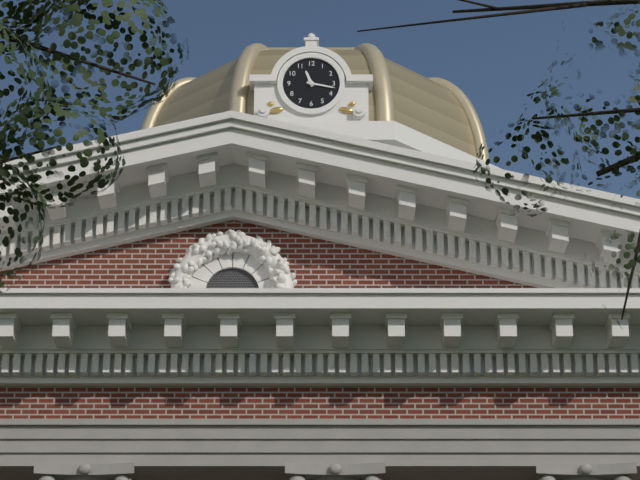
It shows 11:17
